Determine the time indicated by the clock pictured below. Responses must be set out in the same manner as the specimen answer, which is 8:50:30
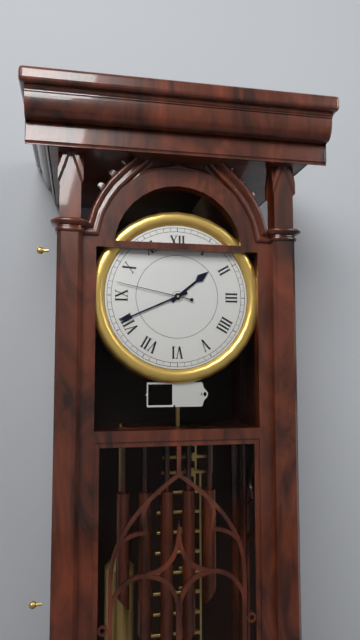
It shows 1:41:47
